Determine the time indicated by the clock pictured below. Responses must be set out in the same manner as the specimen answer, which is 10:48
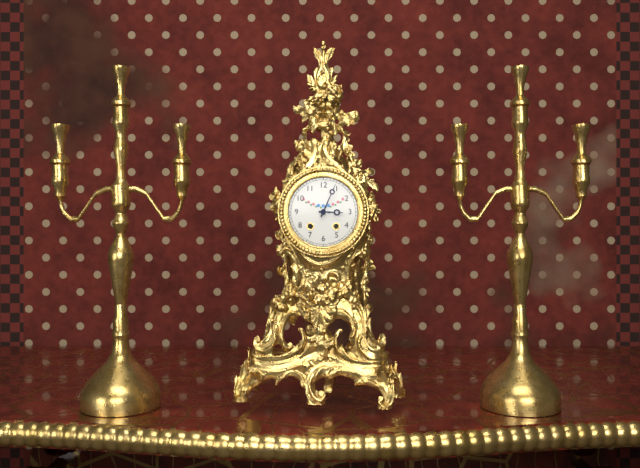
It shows 3:04
